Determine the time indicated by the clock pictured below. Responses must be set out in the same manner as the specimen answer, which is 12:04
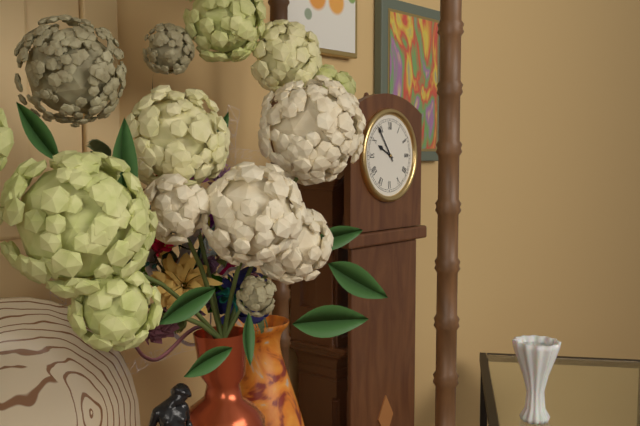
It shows 9:54
